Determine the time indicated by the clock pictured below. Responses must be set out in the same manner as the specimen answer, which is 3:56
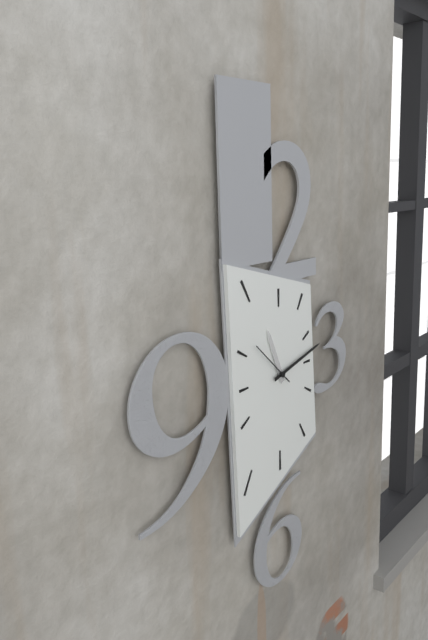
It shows 11:13
